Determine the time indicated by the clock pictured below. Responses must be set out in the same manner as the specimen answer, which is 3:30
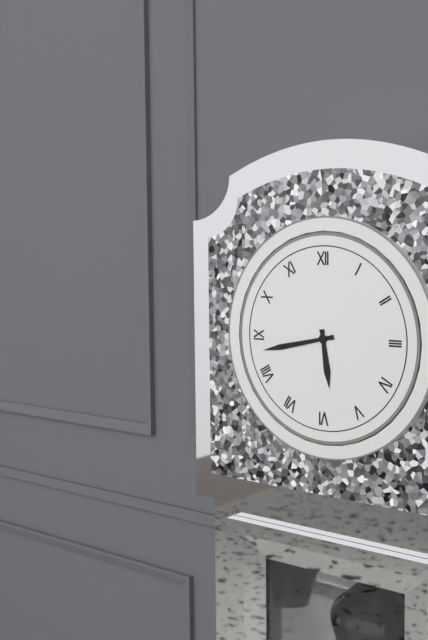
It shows 5:43
